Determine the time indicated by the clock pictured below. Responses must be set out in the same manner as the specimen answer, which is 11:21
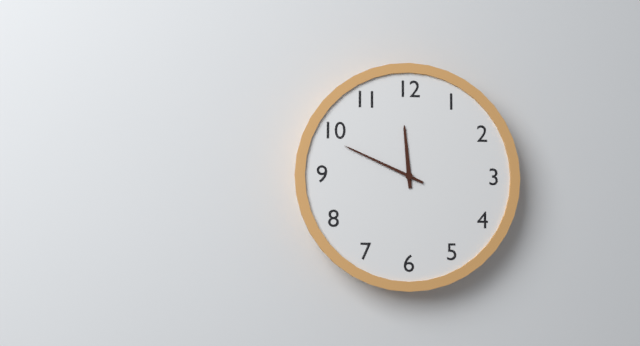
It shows 11:49
